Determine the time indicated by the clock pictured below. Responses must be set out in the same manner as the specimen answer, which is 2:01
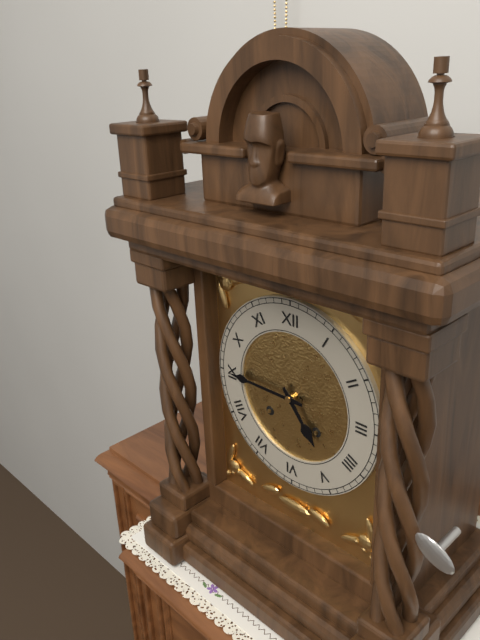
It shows 4:45
